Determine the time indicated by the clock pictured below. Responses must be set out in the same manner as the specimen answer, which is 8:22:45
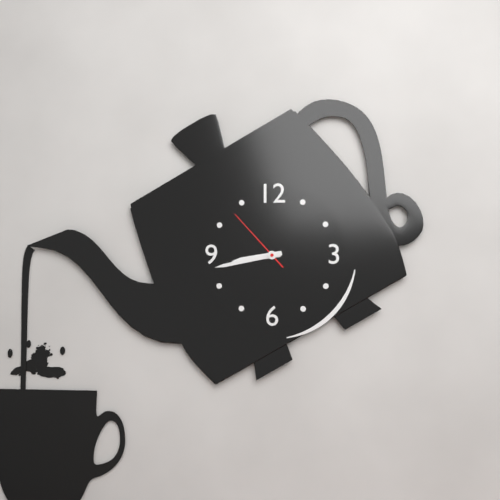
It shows 8:43:53
